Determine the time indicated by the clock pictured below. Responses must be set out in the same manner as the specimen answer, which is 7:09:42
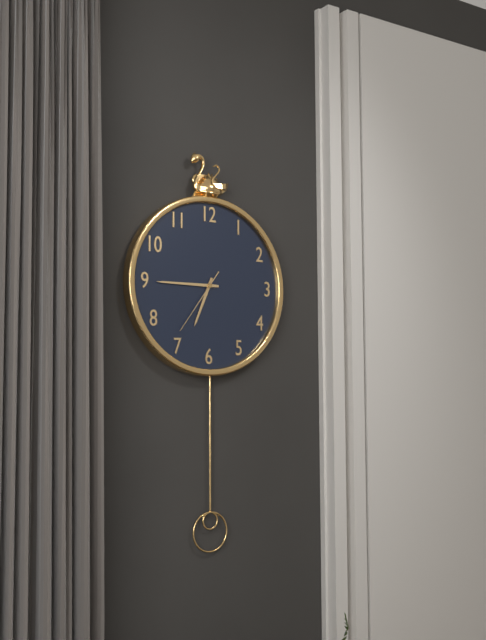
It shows 6:45:36
